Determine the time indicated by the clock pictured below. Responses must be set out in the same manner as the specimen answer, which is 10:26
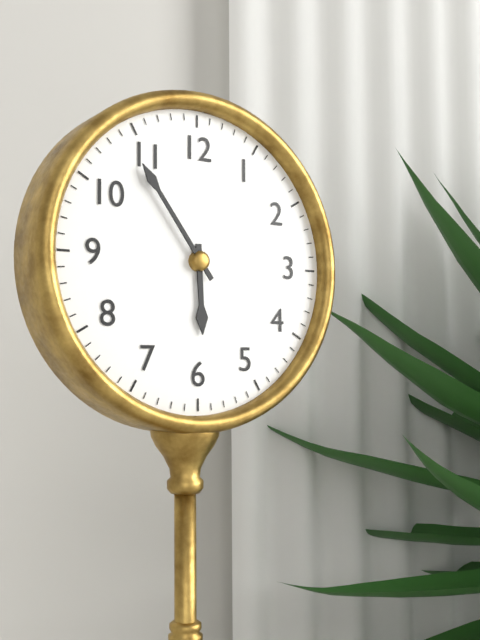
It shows 5:54
